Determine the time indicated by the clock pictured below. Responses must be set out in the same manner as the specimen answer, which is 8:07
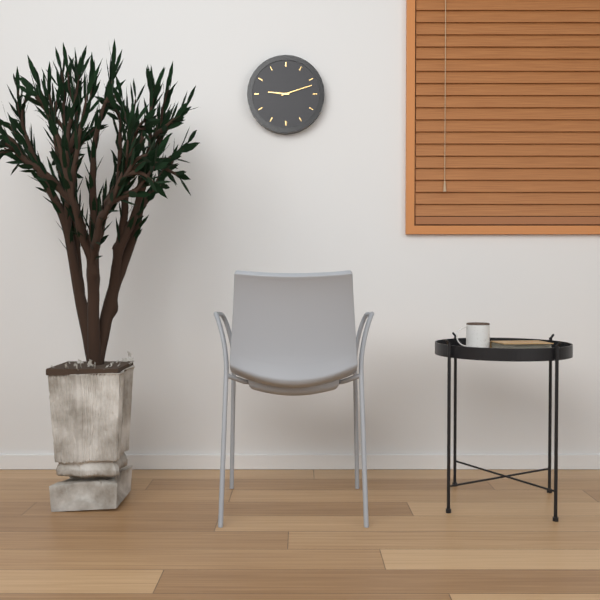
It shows 9:12
